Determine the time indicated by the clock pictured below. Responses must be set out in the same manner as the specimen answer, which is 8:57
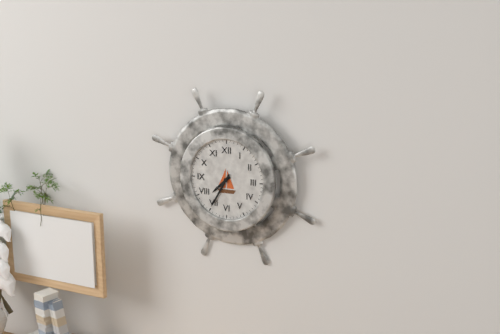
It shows 7:35
